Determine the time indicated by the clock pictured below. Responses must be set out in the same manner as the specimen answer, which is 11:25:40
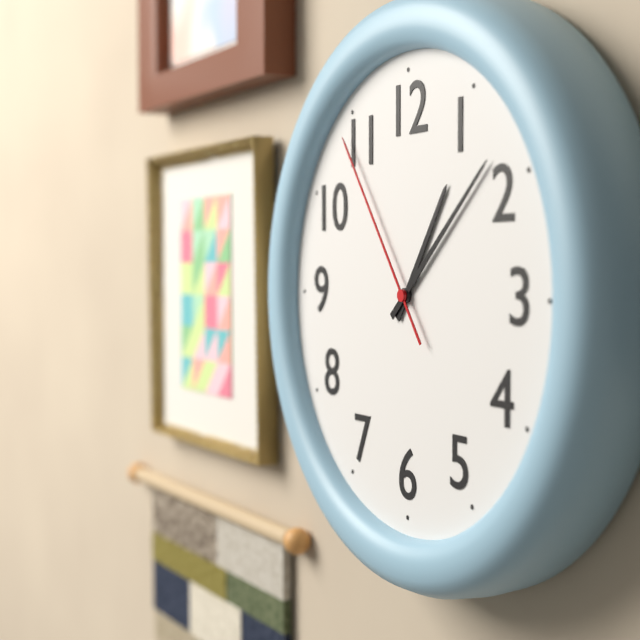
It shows 1:08:54
